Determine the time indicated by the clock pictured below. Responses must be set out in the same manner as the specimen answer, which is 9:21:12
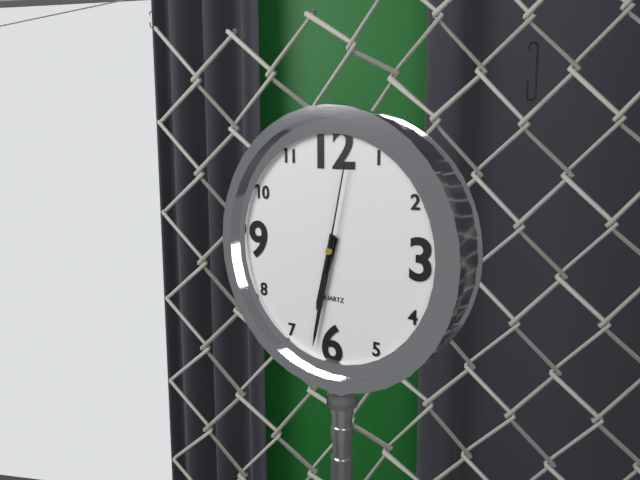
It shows 6:32:02
